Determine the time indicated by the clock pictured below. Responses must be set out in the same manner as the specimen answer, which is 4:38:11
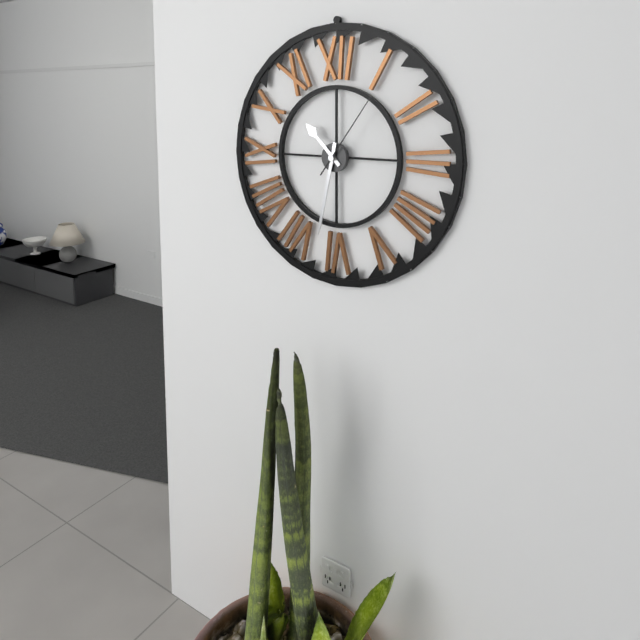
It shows 10:32:06
